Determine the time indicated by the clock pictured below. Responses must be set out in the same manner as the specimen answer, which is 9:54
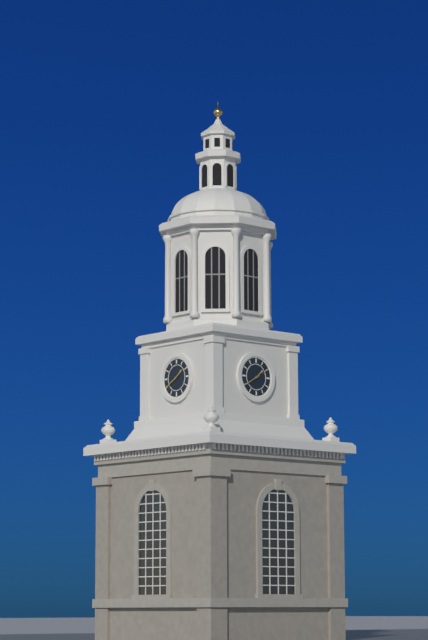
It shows 1:40
